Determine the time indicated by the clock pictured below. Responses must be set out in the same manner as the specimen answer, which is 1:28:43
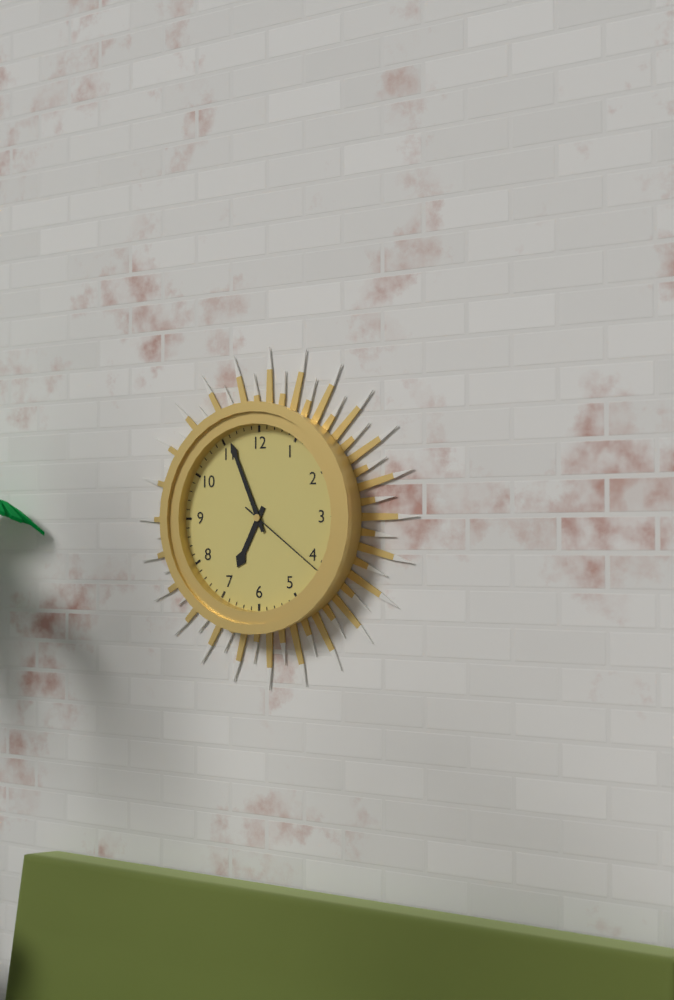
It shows 6:56:21
